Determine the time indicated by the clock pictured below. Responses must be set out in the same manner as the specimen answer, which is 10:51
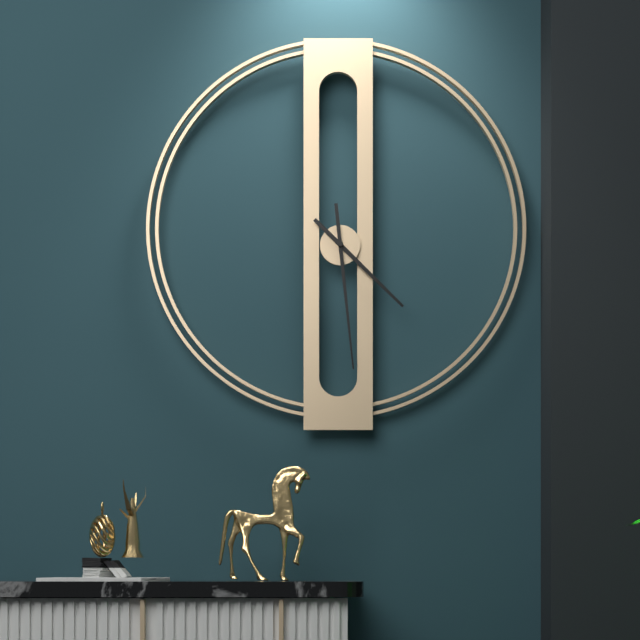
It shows 4:29
